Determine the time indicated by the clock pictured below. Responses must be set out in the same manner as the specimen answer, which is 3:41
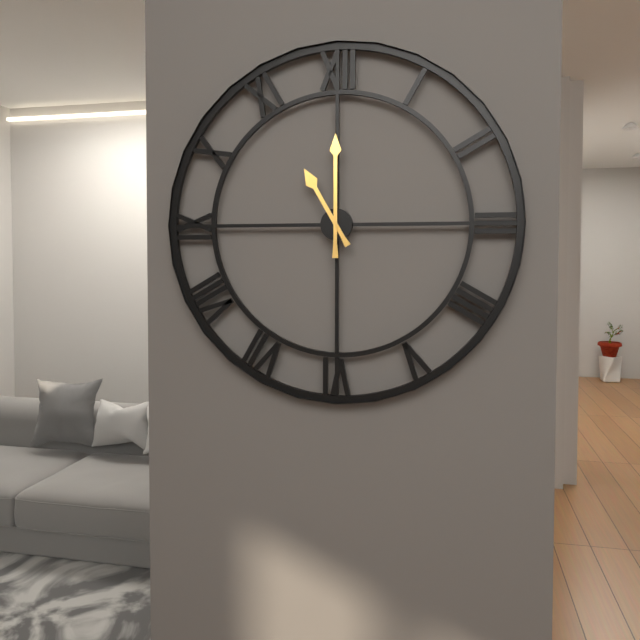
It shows 11:00
